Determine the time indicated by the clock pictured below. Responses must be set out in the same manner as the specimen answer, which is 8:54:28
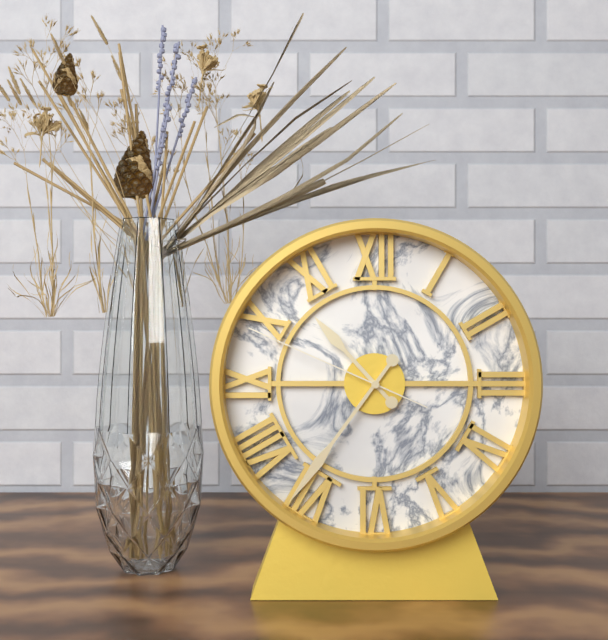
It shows 10:36:49
